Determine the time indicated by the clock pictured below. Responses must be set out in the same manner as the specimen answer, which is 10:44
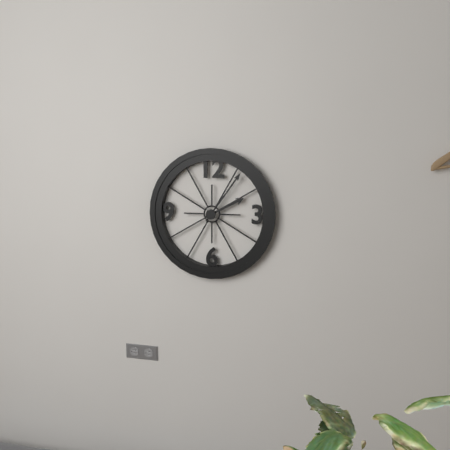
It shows 2:06
